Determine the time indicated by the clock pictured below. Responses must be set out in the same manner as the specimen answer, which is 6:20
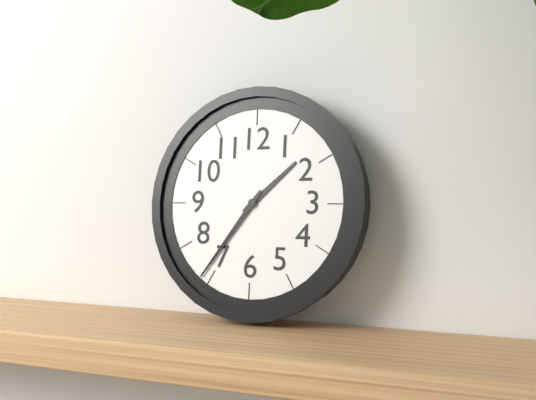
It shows 1:36
